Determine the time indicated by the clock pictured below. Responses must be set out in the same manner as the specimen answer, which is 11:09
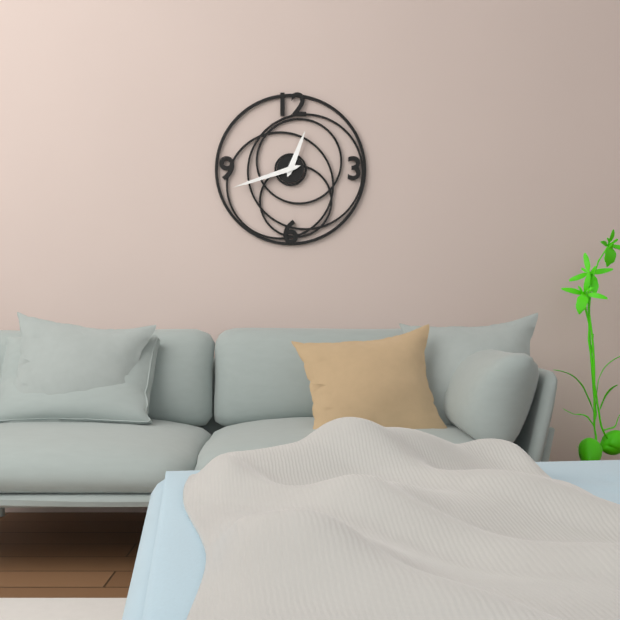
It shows 12:42
